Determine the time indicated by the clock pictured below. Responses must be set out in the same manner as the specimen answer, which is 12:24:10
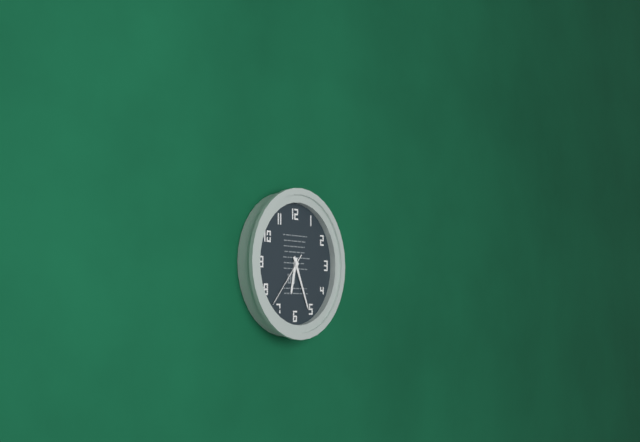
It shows 6:26:37
